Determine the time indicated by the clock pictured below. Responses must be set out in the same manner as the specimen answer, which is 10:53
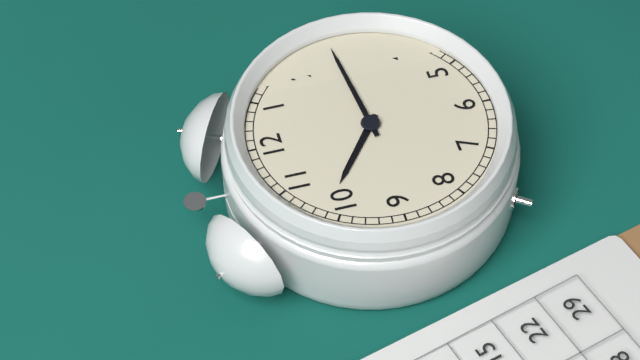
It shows 10:14
